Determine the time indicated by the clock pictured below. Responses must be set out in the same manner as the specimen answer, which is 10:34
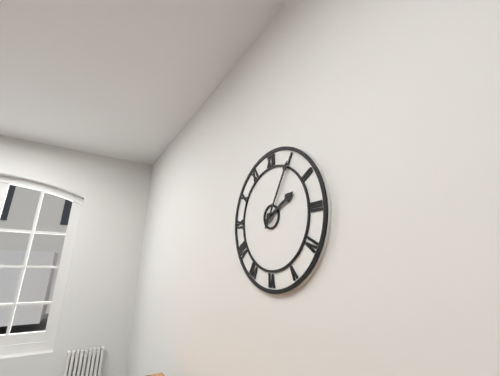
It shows 2:05
